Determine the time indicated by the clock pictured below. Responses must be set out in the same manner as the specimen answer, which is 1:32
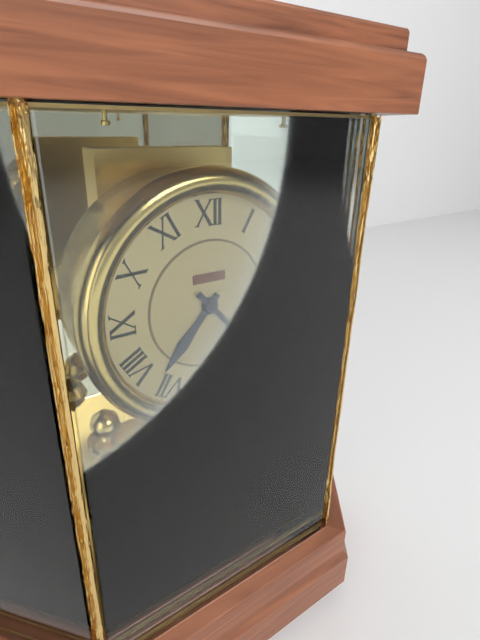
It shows 7:23
